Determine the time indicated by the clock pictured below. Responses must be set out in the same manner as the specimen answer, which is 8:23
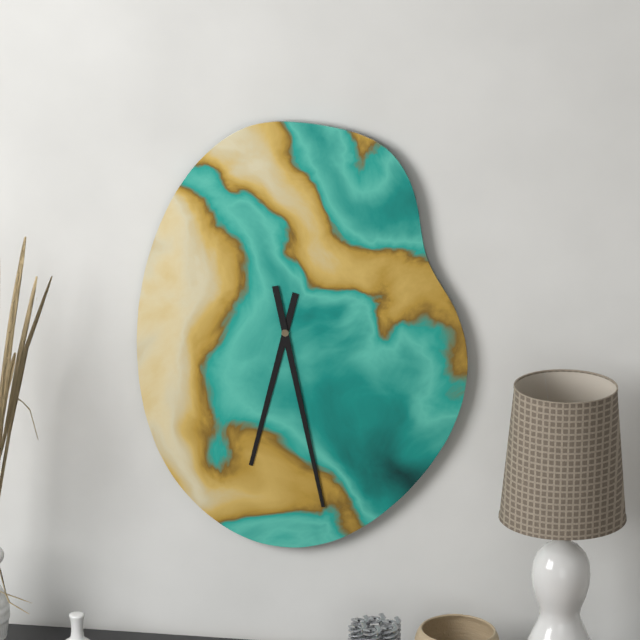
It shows 6:28
